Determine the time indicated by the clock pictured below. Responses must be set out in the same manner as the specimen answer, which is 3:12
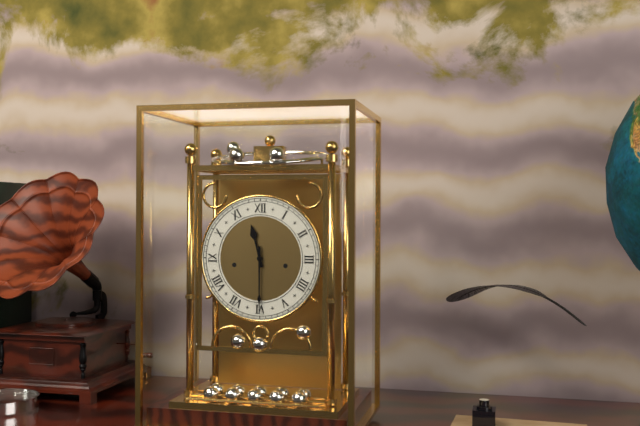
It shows 11:30
